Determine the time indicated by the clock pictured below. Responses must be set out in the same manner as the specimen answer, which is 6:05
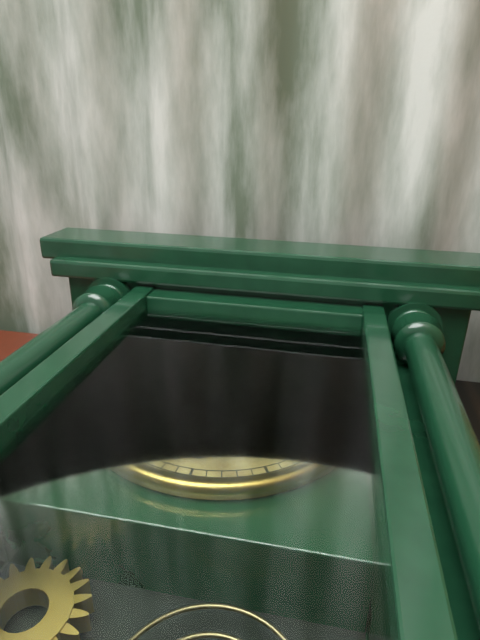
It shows 10:42
